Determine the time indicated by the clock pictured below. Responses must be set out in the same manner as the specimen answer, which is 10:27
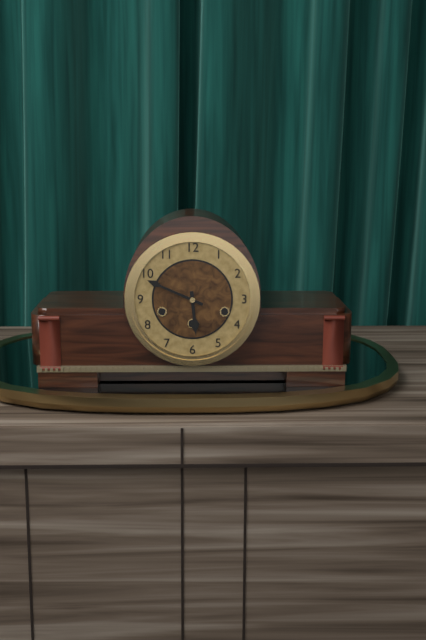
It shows 5:49
